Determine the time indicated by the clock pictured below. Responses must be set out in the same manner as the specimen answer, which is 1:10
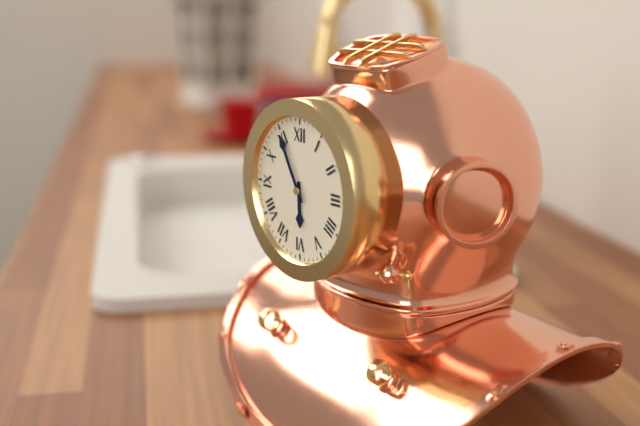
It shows 5:55
